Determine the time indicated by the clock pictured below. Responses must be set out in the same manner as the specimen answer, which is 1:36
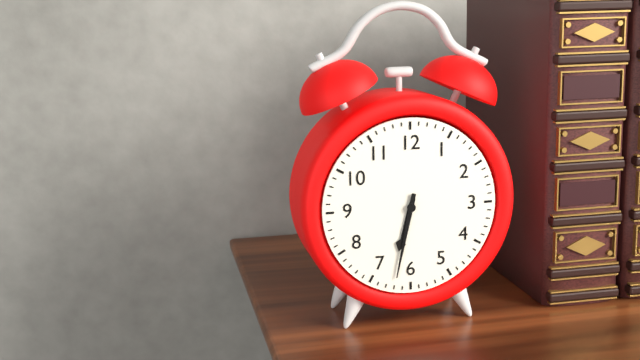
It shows 6:32
